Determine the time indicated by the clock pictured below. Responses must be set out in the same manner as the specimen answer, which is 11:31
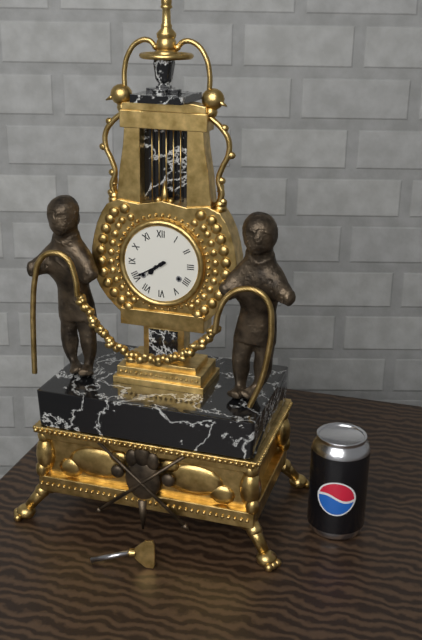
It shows 7:40
